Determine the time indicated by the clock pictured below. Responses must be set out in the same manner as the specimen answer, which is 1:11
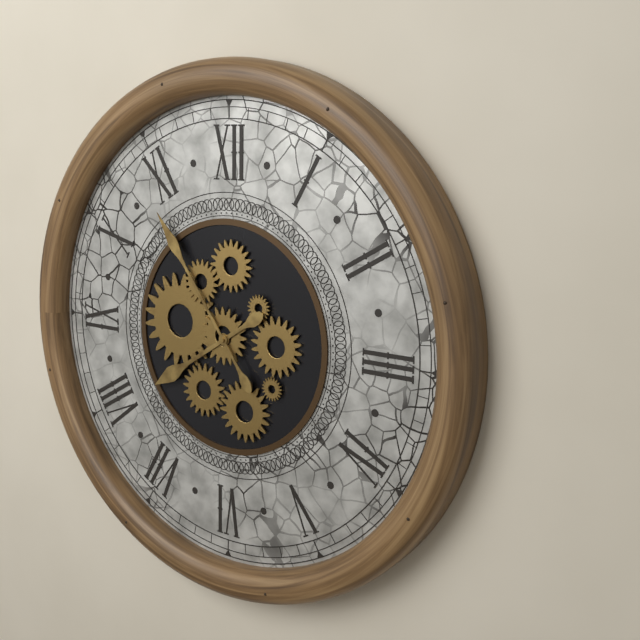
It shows 7:54
